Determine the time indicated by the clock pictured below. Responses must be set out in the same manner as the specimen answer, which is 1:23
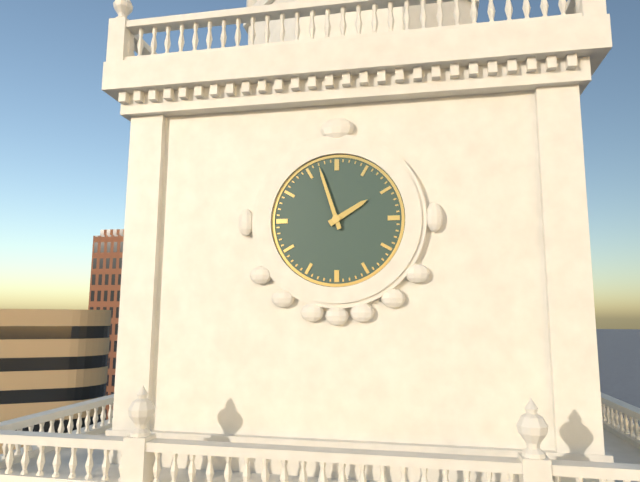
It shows 1:57
